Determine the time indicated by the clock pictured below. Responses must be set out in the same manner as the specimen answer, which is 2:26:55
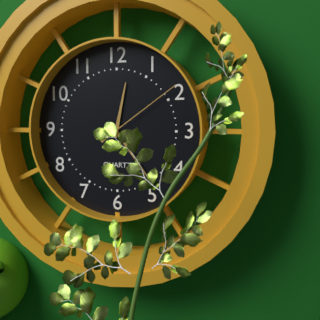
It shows 12:24:09
